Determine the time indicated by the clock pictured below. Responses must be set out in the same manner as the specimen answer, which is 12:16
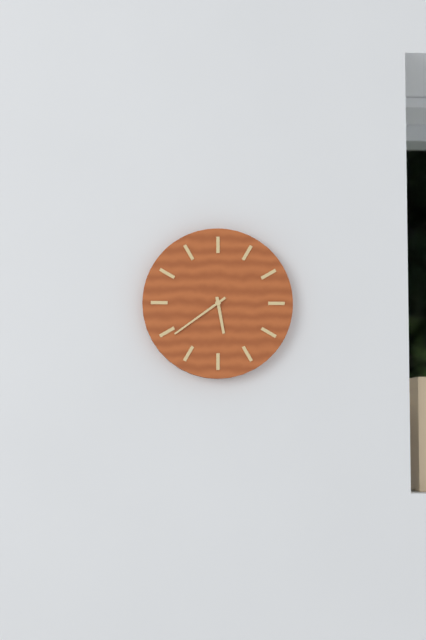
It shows 5:39
